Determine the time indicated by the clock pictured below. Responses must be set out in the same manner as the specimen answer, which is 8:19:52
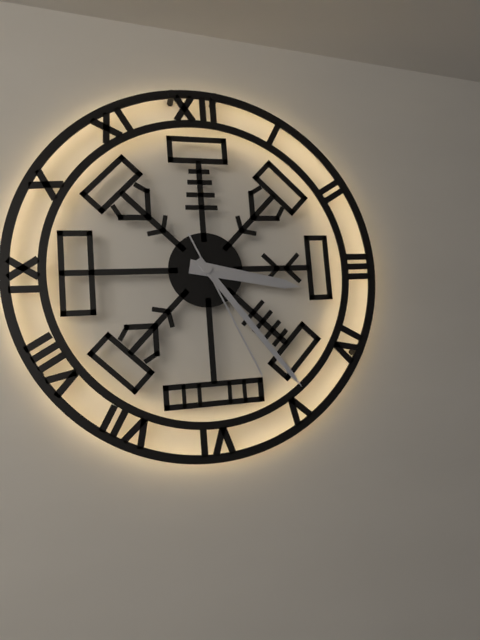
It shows 3:24:26
